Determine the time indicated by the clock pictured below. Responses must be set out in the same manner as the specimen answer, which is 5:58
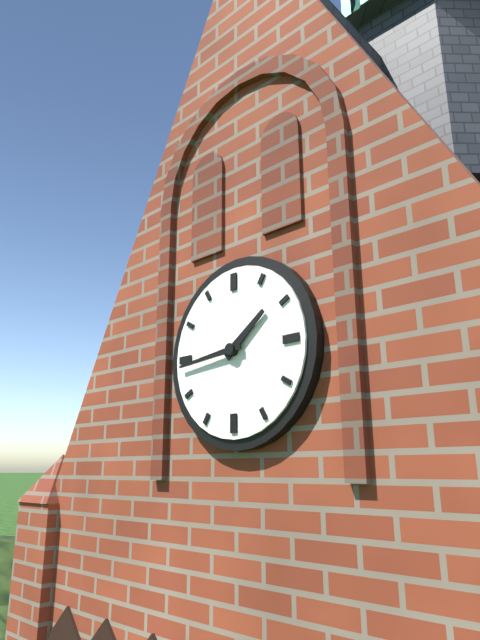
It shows 1:44
